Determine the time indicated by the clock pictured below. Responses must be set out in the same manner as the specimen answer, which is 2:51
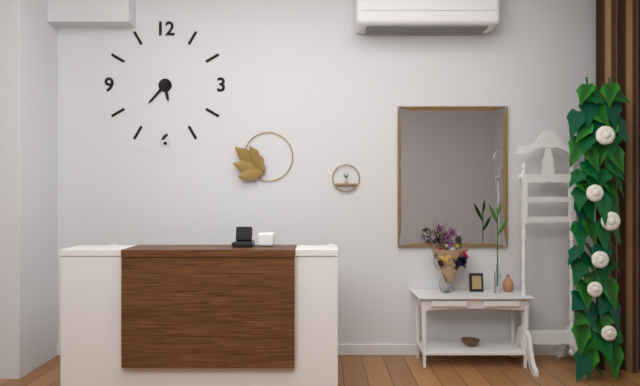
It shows 5:37
